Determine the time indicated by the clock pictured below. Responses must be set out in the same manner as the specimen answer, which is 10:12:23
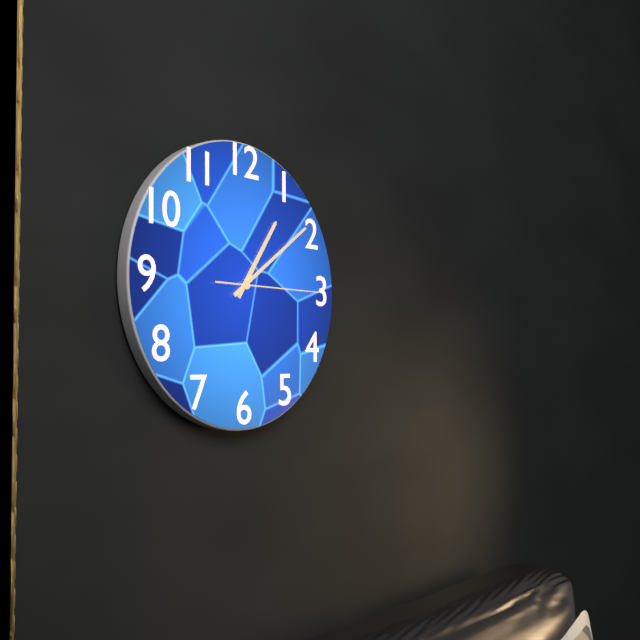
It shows 1:09:15
